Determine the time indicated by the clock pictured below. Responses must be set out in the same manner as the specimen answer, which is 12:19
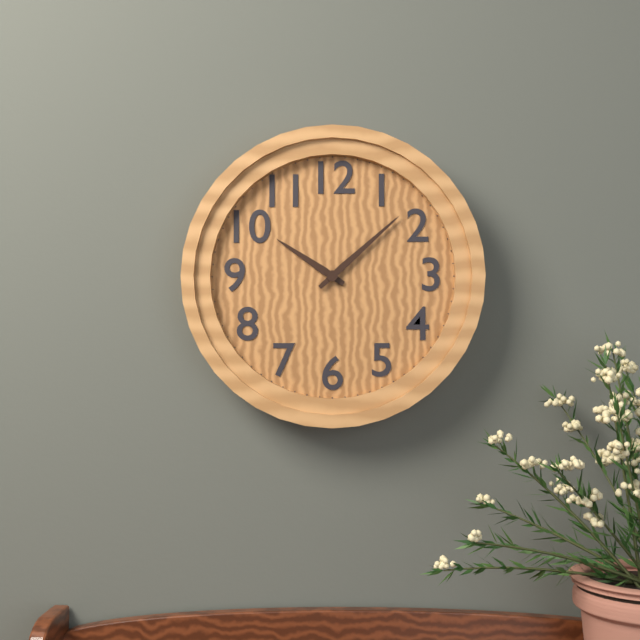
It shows 10:08
